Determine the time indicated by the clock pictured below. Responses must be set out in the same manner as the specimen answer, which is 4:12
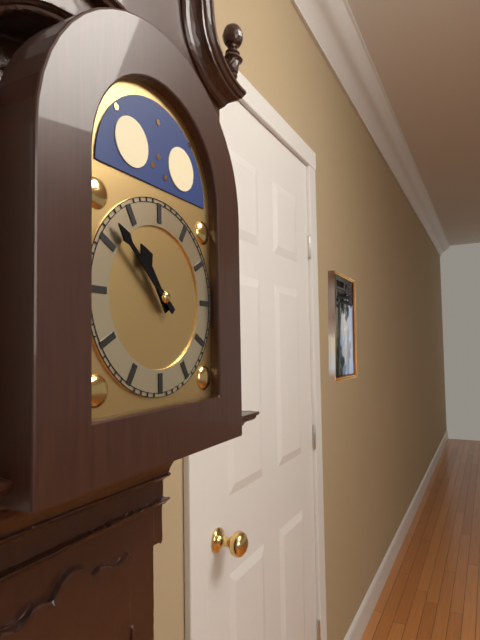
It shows 10:52
